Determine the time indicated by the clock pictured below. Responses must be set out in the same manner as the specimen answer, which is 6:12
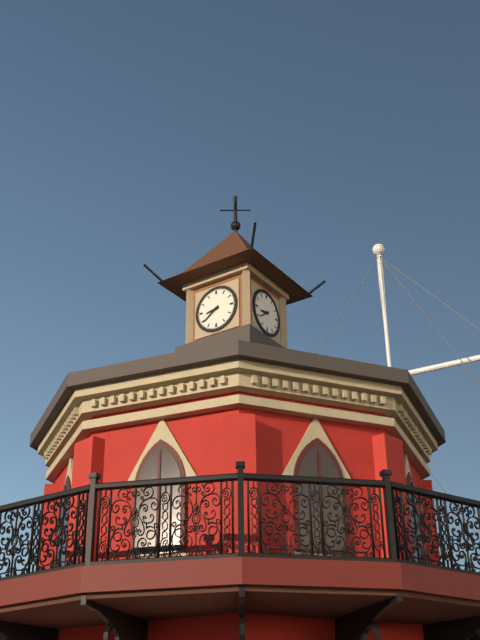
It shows 8:39
